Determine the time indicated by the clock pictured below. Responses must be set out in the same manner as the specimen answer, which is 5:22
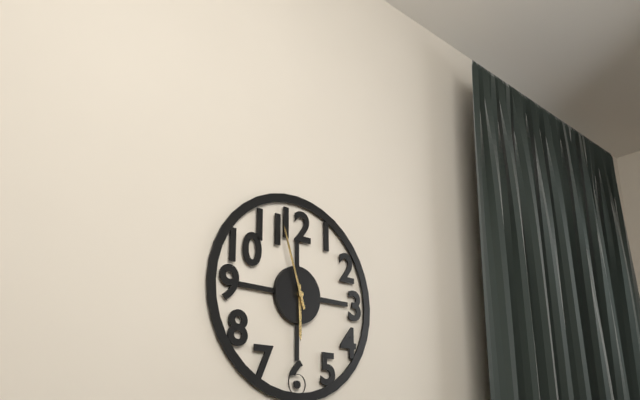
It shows 5:57
